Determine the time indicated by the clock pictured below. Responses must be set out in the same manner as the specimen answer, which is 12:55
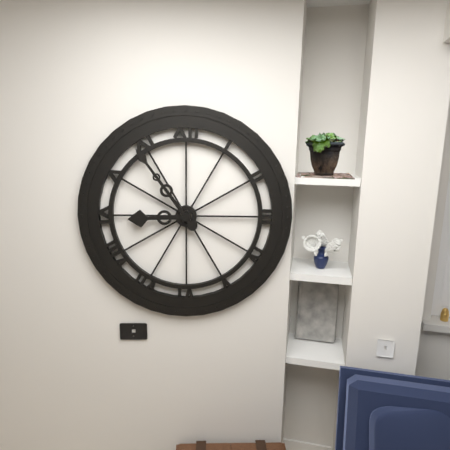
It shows 8:54
